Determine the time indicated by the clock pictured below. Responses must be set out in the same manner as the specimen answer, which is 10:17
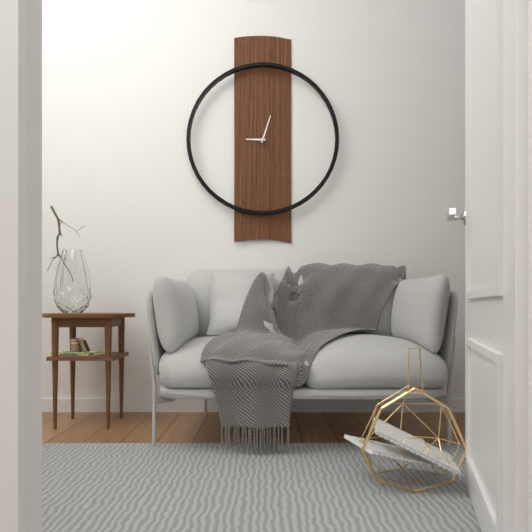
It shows 9:03
